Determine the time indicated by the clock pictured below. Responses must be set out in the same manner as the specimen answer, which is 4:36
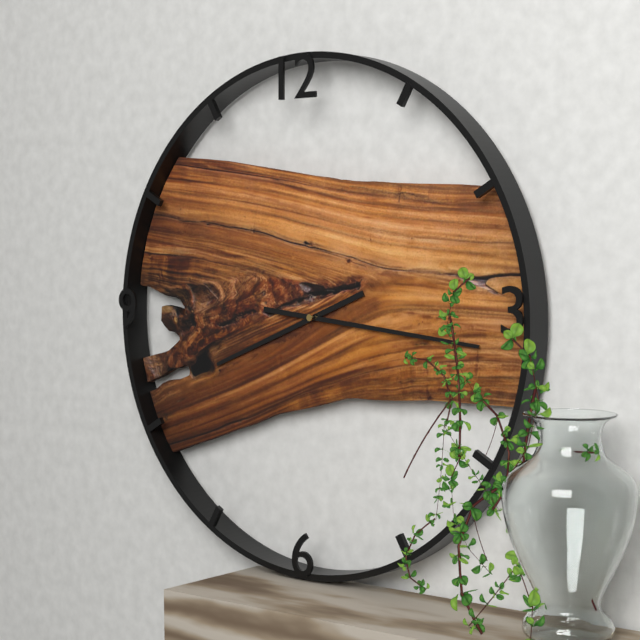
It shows 8:16
